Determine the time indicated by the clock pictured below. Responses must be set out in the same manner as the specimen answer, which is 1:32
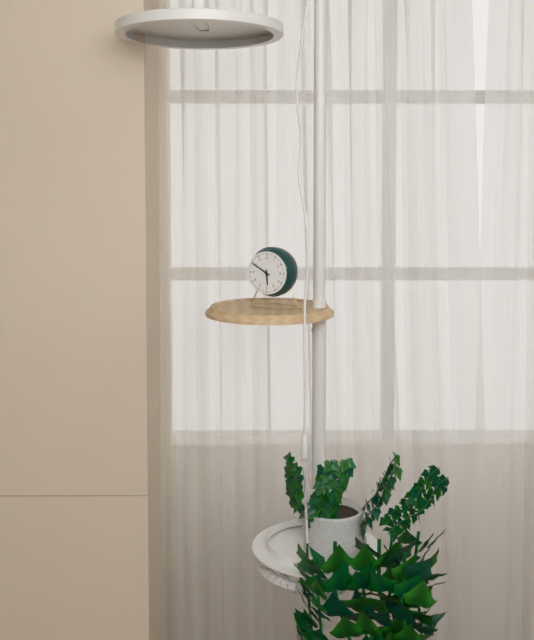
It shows 5:50
